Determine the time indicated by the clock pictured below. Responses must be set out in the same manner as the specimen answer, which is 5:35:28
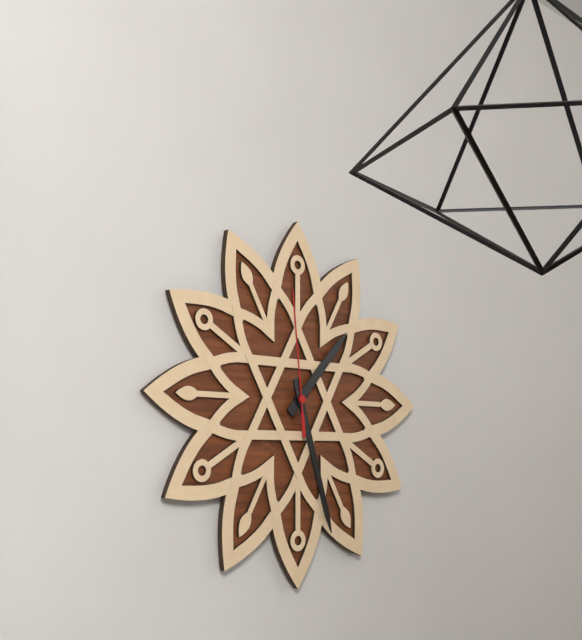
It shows 1:27:59
